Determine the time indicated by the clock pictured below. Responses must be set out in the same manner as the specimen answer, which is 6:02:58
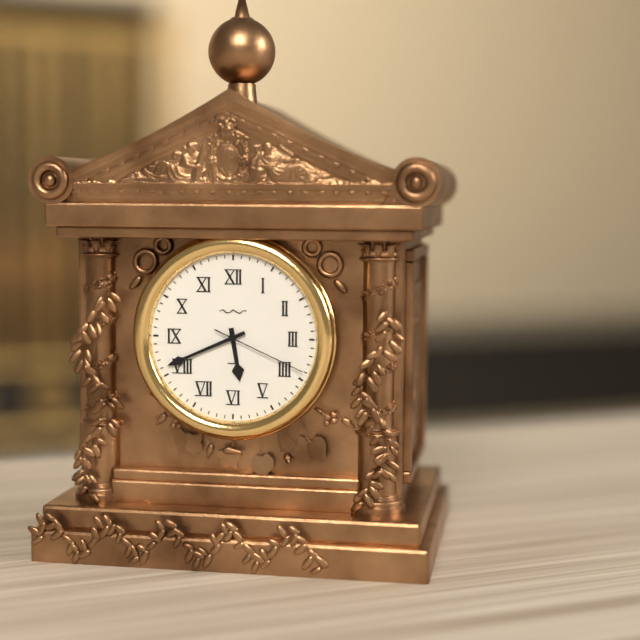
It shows 5:41:19
